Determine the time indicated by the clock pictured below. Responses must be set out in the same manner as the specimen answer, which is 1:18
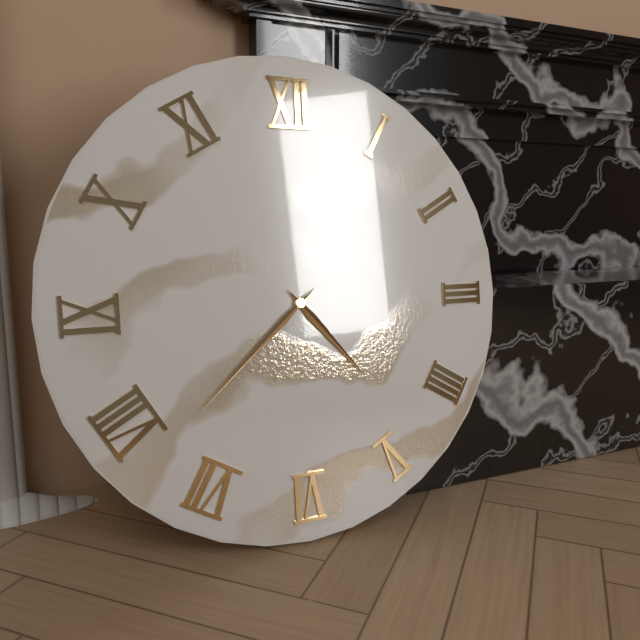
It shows 4:38
